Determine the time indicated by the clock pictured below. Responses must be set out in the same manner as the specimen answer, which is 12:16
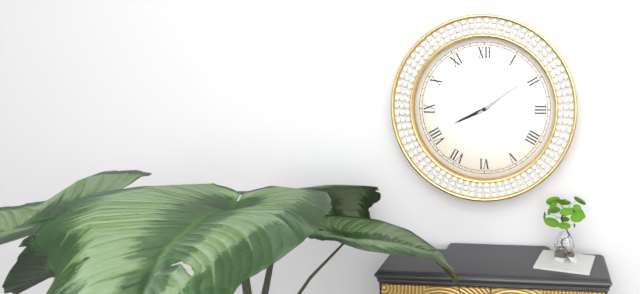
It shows 8:09
